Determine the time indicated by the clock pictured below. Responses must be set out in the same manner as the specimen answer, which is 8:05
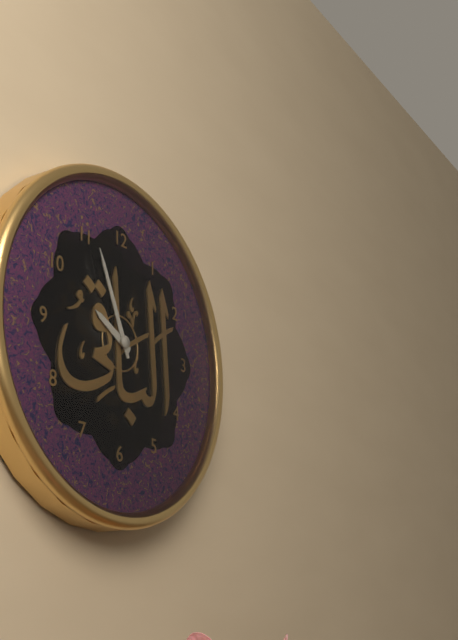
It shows 9:56
